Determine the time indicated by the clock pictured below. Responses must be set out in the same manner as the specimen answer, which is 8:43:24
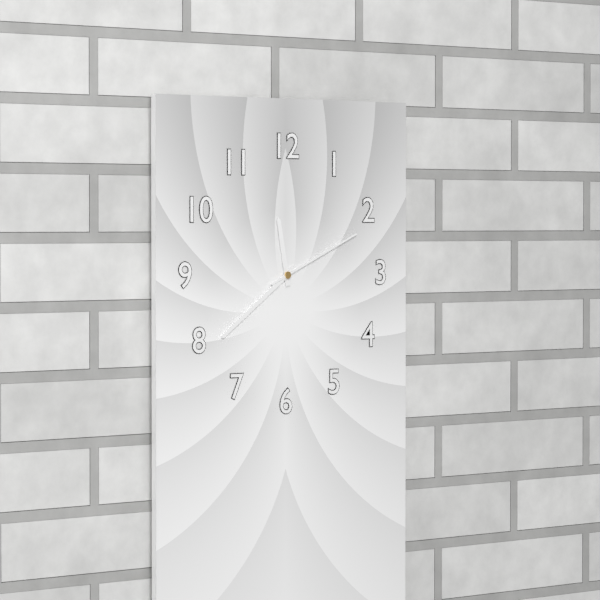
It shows 11:39:11
